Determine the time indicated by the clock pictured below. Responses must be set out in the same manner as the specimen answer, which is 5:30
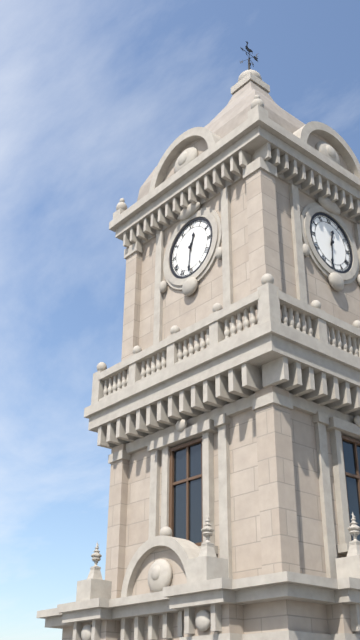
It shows 12:31
